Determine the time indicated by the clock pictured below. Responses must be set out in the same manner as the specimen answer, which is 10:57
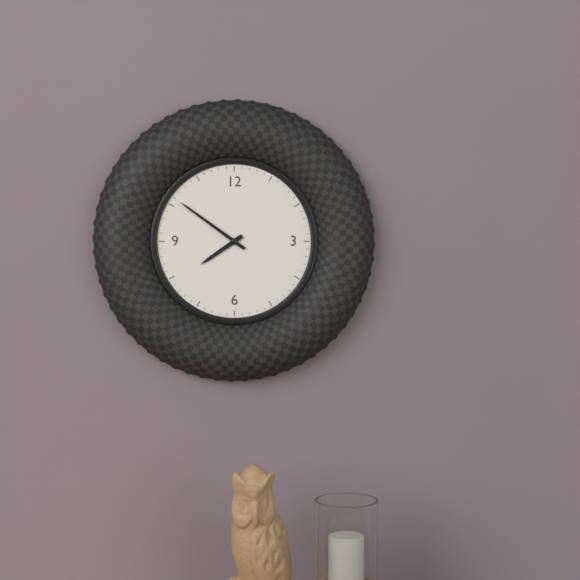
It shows 7:51
